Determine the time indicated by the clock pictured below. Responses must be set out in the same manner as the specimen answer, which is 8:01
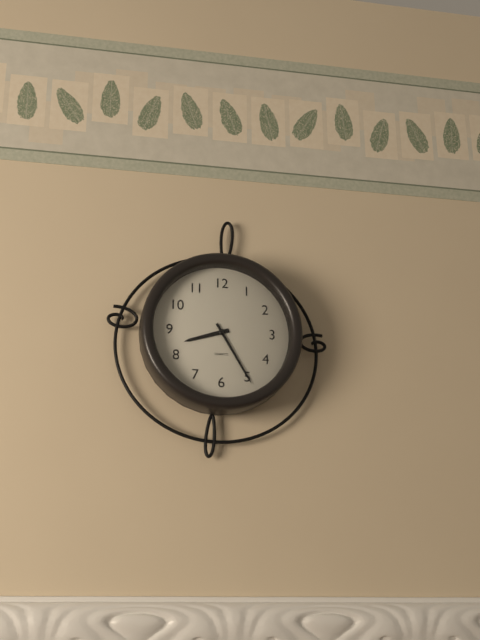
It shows 8:25
